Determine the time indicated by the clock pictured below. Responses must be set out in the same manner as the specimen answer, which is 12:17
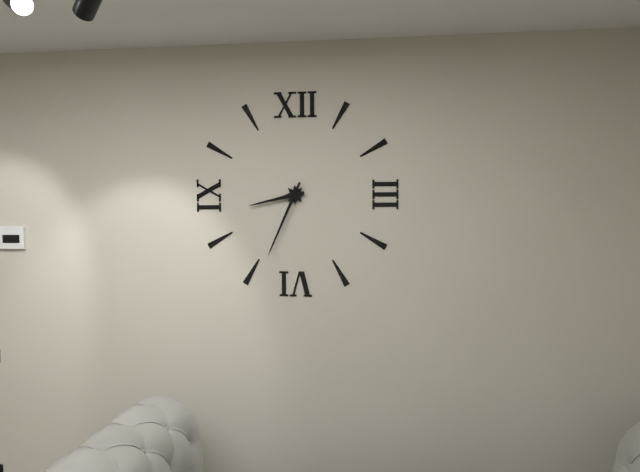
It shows 8:34
